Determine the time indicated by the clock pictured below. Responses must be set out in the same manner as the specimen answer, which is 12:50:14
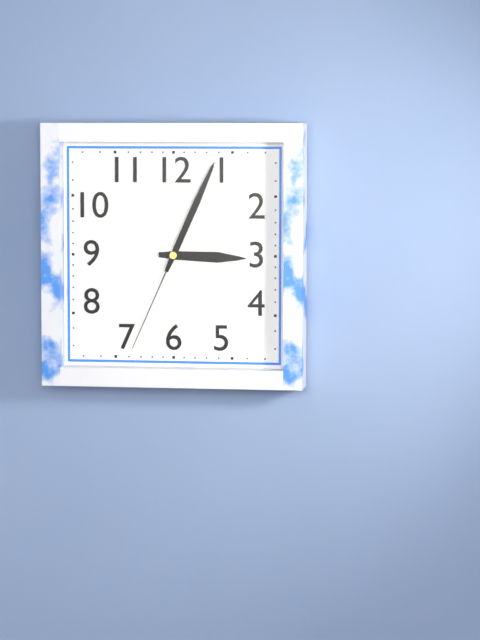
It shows 3:04:34
